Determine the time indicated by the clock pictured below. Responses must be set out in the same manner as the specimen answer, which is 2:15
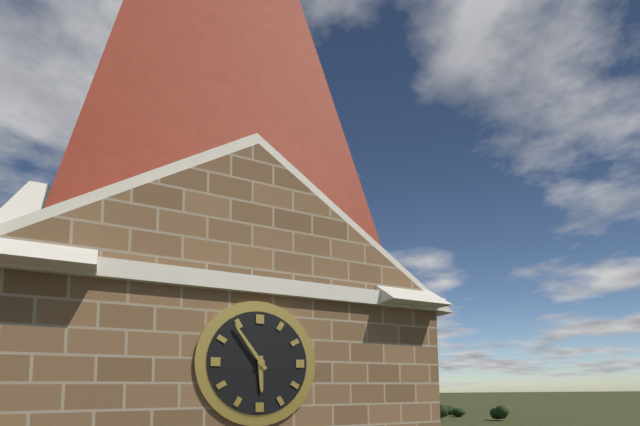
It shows 5:54
